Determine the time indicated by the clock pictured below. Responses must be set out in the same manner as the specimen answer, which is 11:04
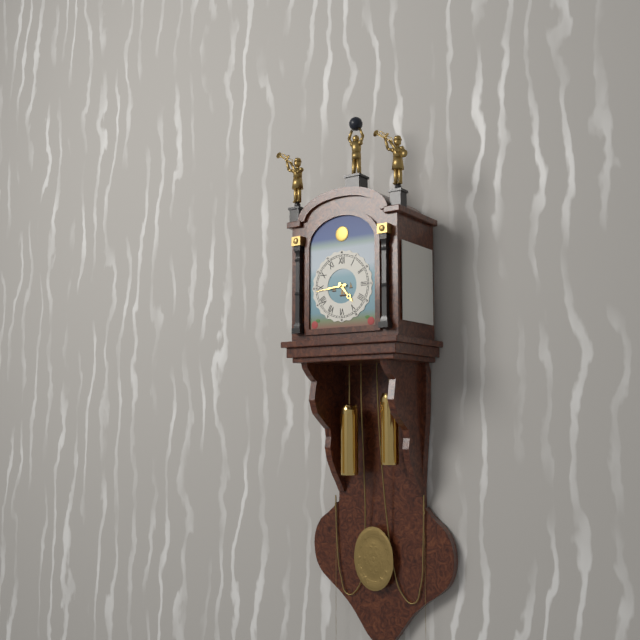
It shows 4:44
